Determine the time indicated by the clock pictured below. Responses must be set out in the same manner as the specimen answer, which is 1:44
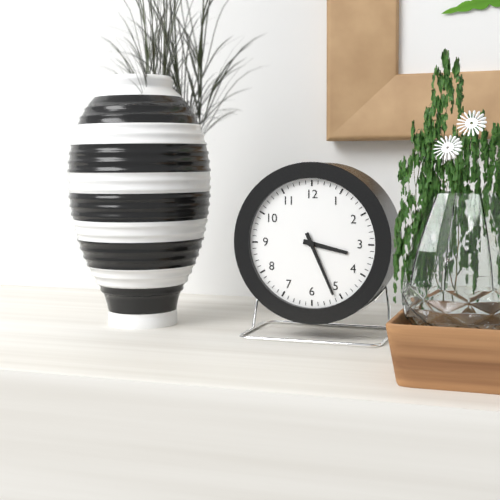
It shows 3:26
